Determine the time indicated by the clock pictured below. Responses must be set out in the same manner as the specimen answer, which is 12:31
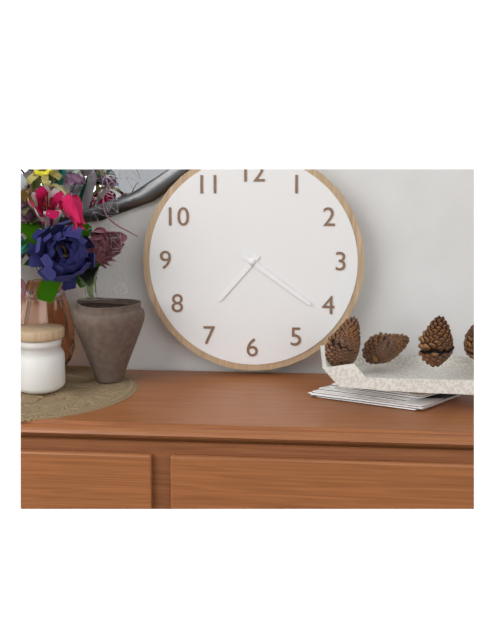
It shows 7:21
